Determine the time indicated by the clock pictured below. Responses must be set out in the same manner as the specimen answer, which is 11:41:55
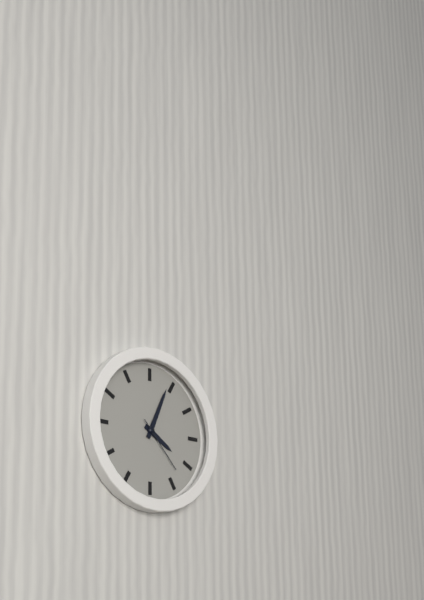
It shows 4:04:23
